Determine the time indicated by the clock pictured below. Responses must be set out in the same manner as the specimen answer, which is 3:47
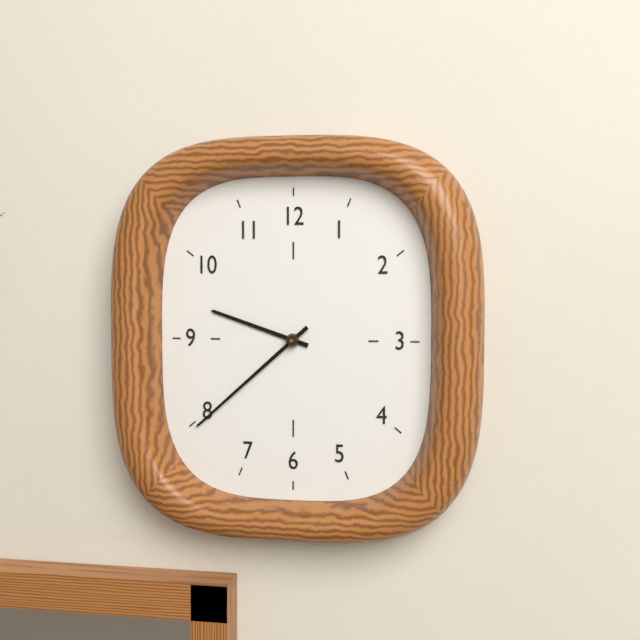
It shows 9:38
